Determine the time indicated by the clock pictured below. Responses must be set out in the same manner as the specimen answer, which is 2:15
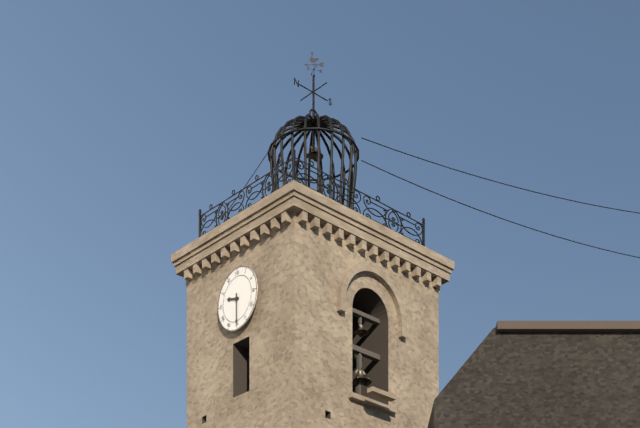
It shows 9:30
